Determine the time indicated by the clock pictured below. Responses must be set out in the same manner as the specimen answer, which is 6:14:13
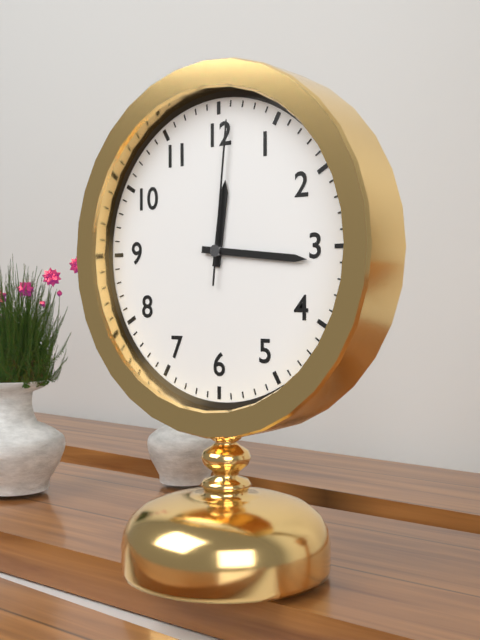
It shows 12:16:01
